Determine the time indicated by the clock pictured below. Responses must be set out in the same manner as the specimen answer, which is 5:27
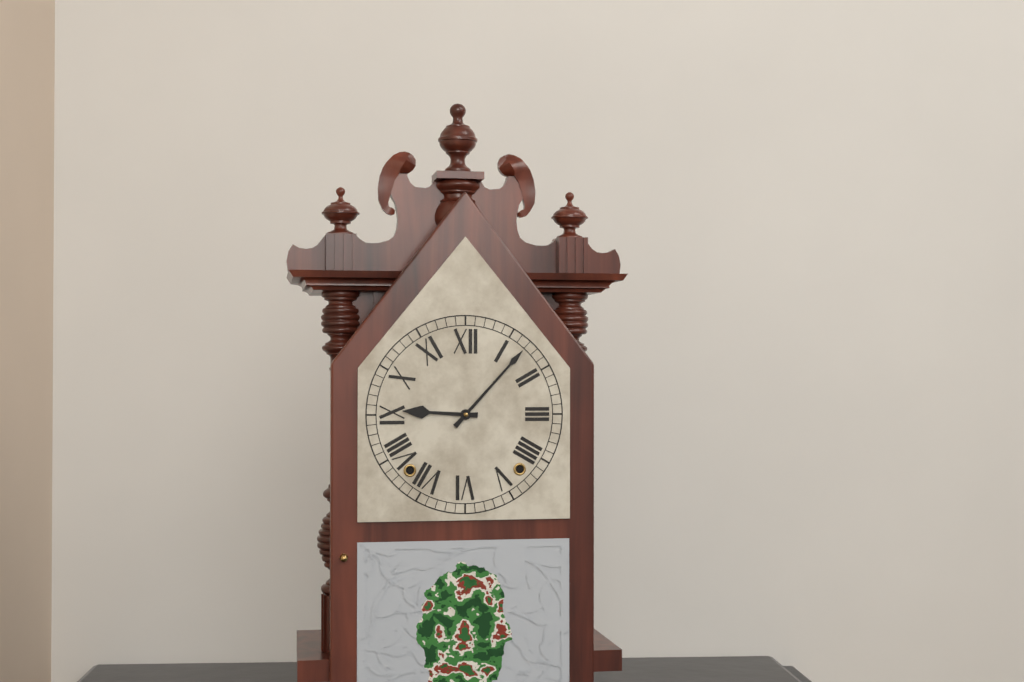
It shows 9:07
